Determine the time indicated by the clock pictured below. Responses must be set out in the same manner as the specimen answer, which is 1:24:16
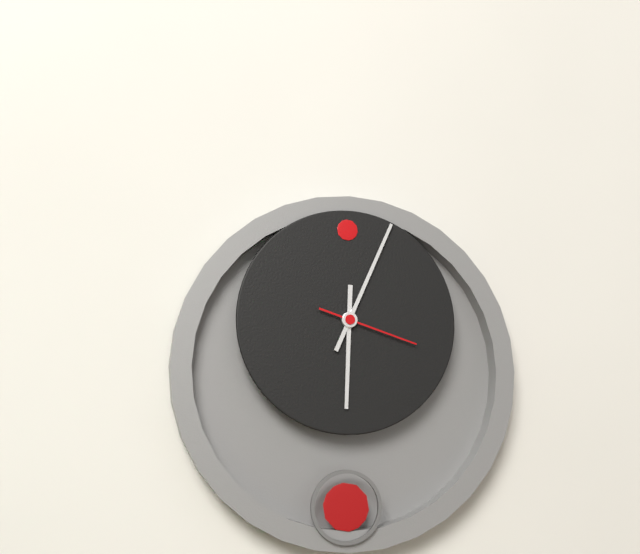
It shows 6:04:18
